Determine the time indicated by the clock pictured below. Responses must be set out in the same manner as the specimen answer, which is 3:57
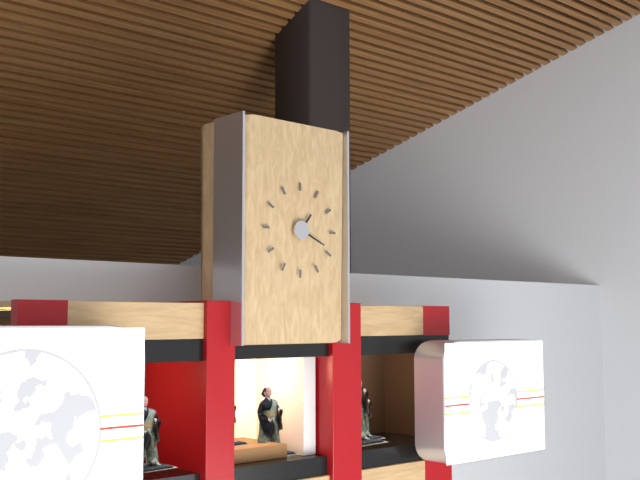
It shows 1:19
